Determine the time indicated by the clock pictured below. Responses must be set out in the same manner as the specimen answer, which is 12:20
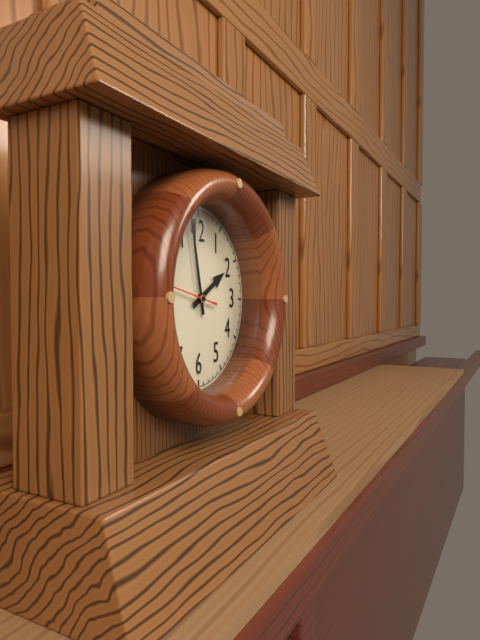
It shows 1:58
